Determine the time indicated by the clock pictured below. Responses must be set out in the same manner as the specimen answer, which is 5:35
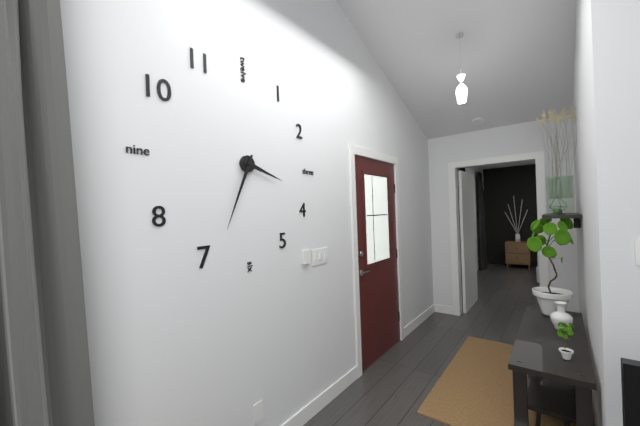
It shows 3:34
